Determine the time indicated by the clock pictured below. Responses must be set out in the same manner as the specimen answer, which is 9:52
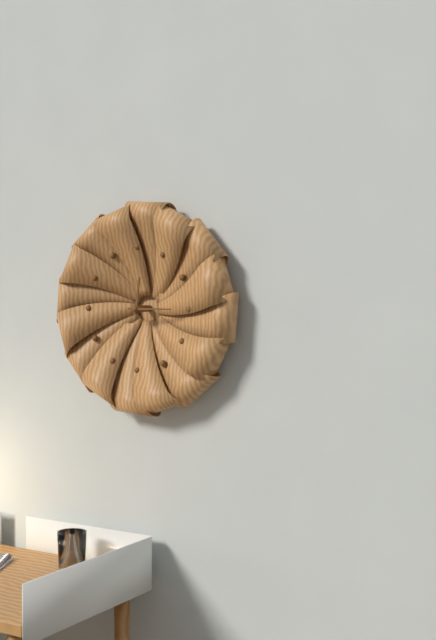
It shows 12:15
